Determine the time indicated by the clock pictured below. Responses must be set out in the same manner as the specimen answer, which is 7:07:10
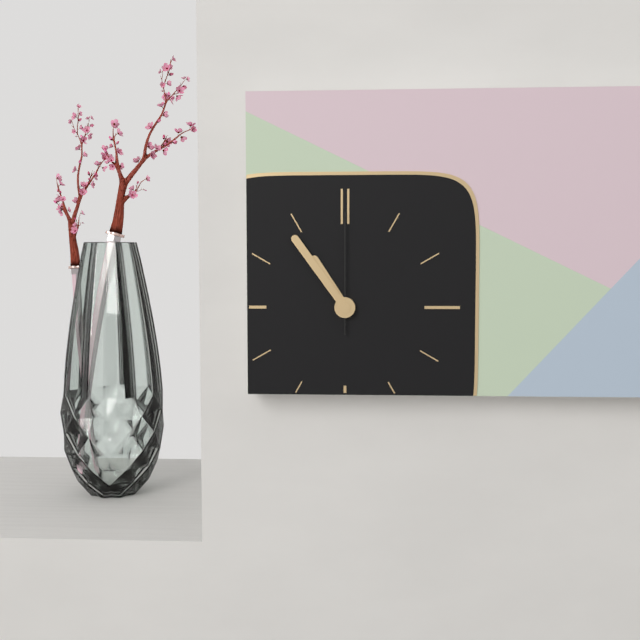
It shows 10:54:00
